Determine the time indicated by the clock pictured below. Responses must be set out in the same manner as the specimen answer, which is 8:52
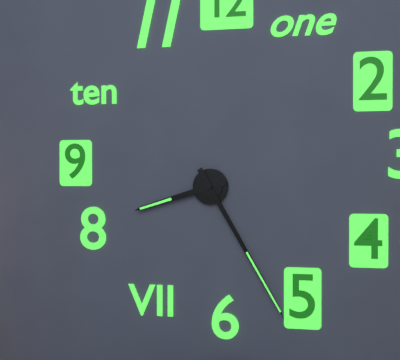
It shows 8:25
